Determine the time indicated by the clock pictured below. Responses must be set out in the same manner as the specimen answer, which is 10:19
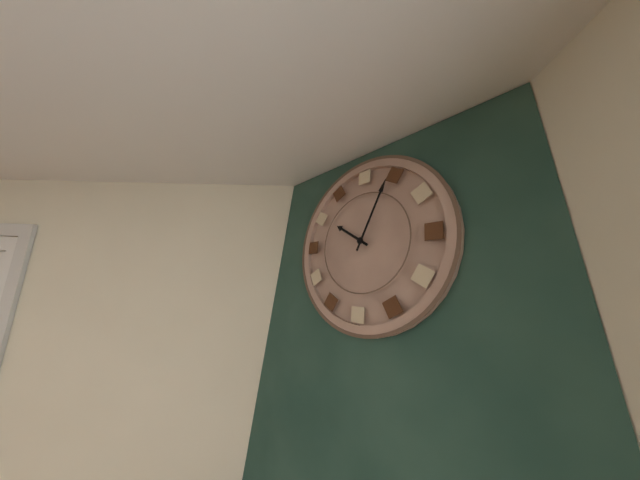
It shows 10:04
